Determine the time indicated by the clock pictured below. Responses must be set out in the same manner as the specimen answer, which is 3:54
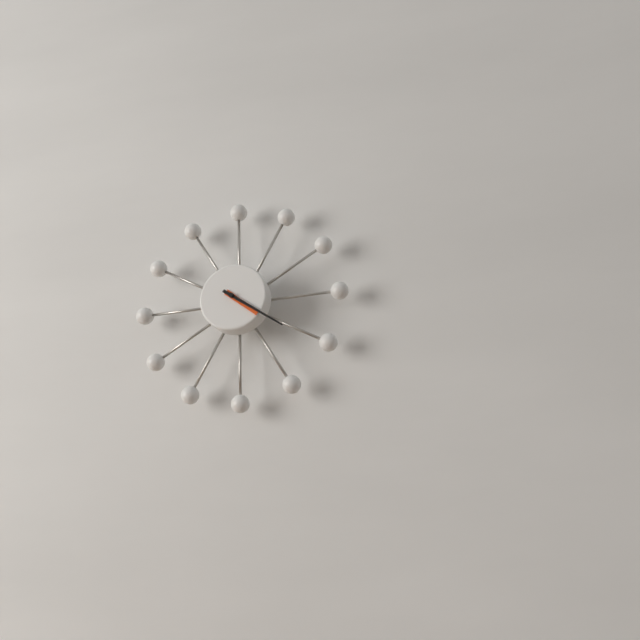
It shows 4:21
